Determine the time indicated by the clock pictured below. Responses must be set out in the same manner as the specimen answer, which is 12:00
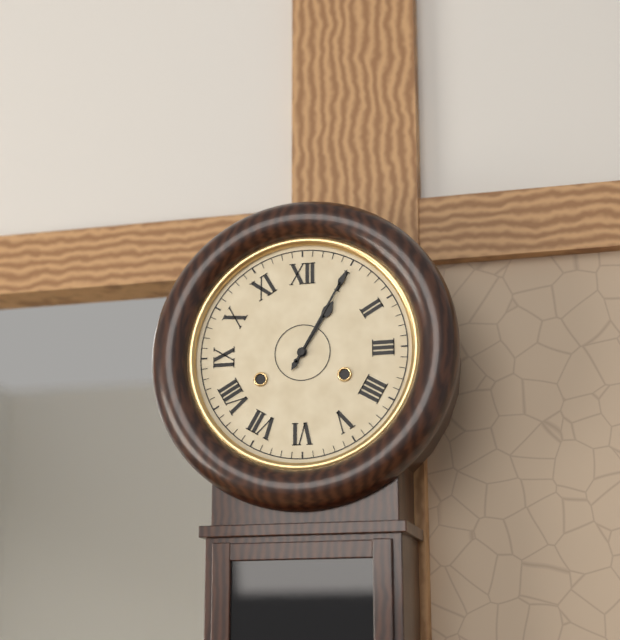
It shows 1:05
